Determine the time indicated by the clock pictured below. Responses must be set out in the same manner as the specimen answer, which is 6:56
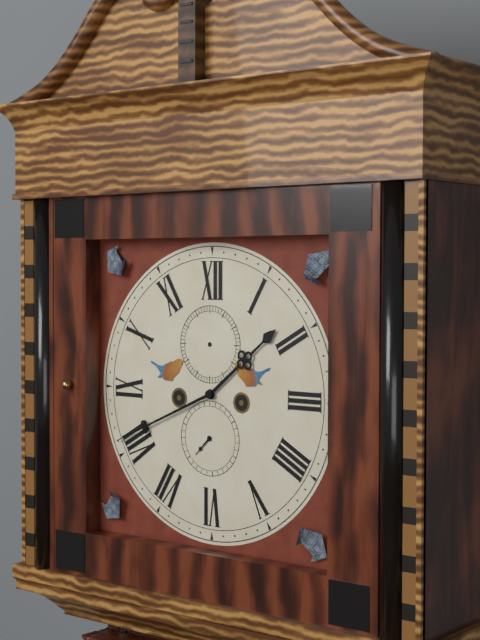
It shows 1:41
